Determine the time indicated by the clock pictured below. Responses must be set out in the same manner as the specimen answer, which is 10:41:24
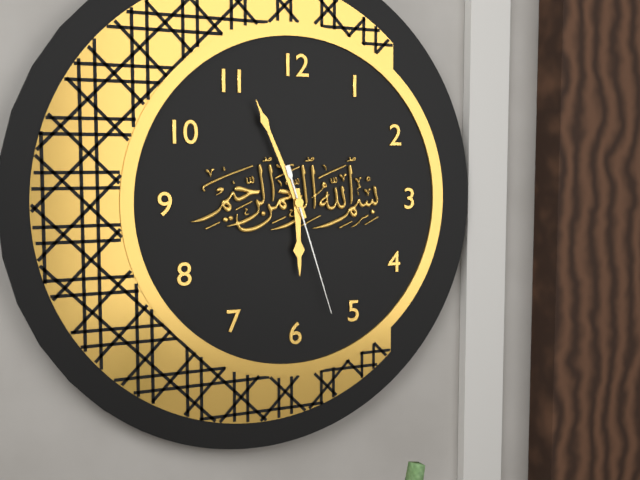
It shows 5:56:27
